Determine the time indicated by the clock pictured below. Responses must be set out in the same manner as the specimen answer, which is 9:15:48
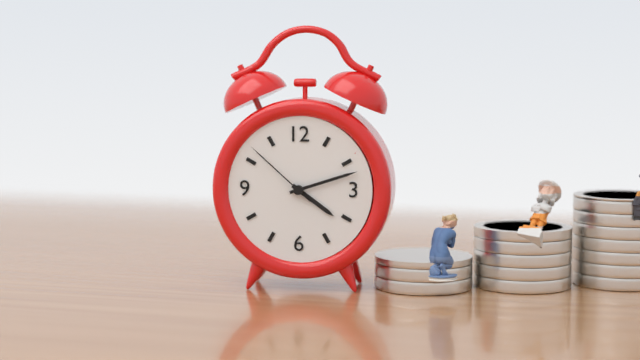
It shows 4:12:52
